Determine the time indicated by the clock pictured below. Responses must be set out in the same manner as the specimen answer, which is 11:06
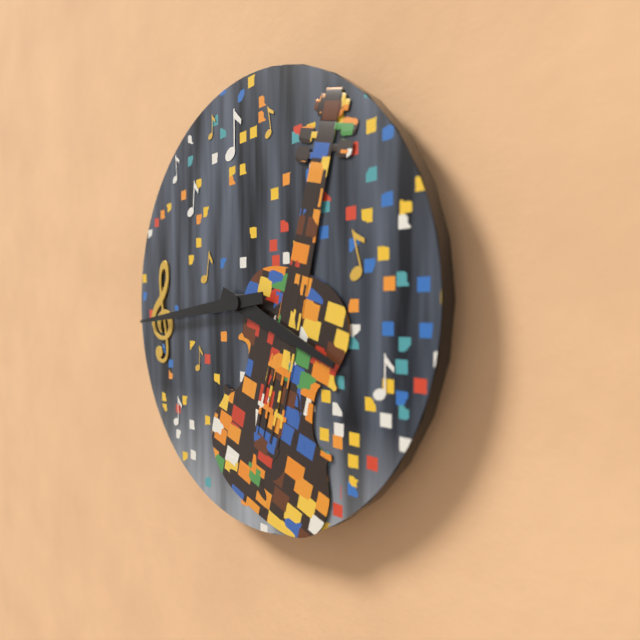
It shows 3:44
